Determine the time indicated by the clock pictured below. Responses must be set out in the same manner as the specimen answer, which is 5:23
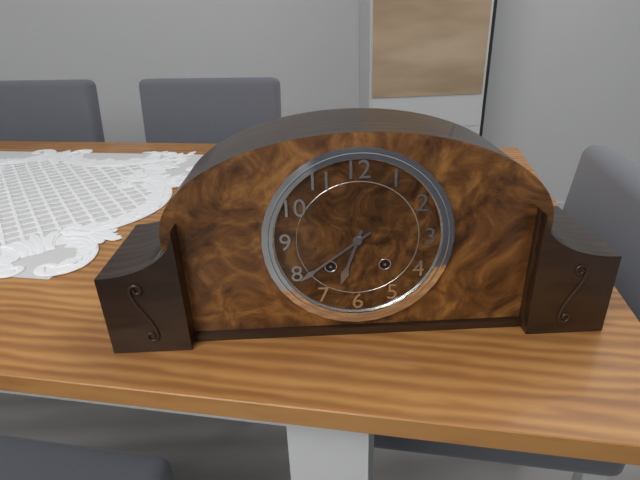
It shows 6:39
